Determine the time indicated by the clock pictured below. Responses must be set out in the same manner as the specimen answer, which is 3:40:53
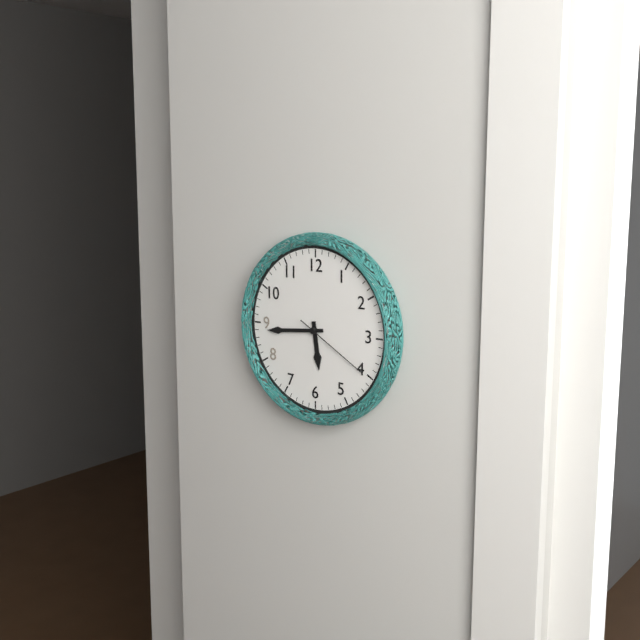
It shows 5:44:20
